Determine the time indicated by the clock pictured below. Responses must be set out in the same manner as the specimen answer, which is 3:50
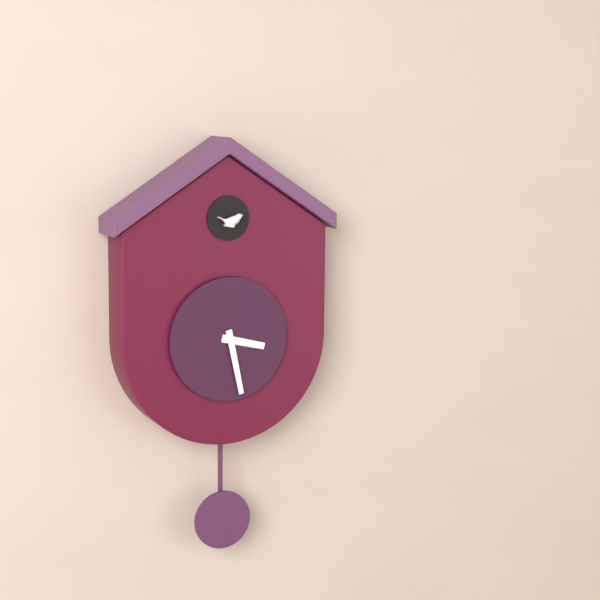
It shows 3:28
